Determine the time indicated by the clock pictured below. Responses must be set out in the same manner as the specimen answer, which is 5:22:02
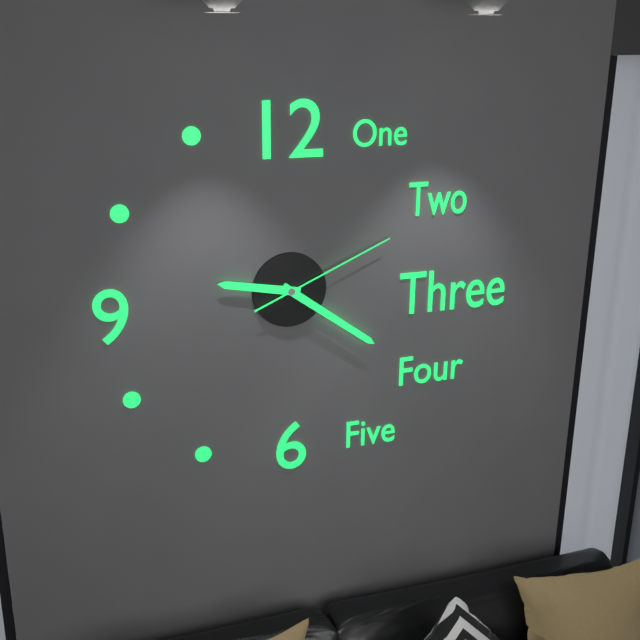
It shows 9:21:11
